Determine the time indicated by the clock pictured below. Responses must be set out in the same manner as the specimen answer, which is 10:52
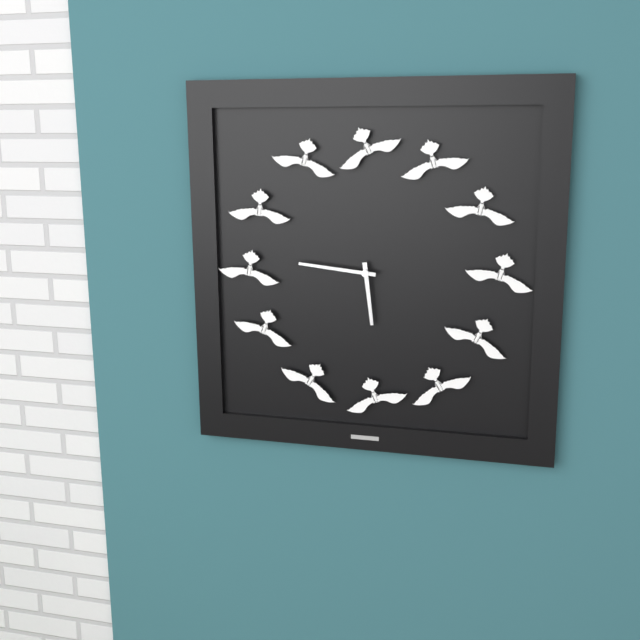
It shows 5:46
